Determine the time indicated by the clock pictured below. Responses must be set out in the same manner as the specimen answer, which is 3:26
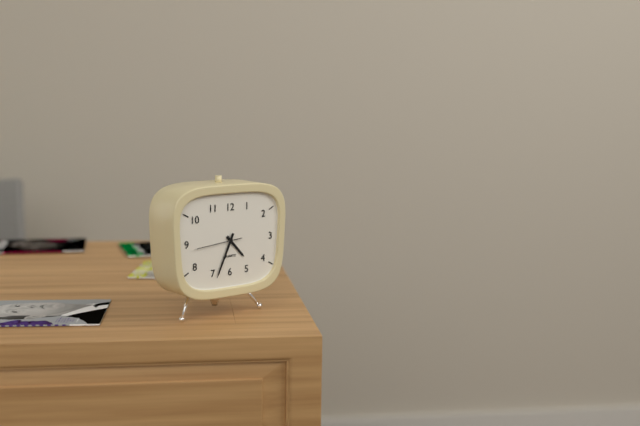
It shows 4:34
